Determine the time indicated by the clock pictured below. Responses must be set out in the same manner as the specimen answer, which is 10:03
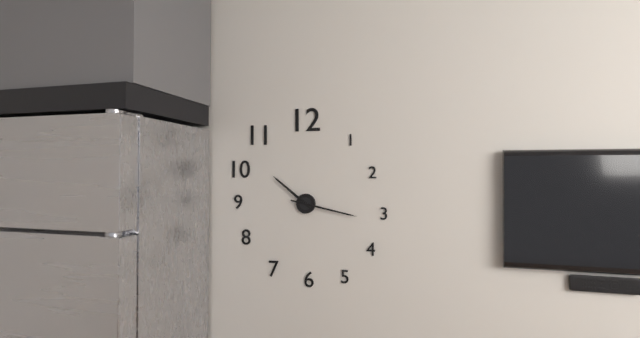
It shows 10:17
